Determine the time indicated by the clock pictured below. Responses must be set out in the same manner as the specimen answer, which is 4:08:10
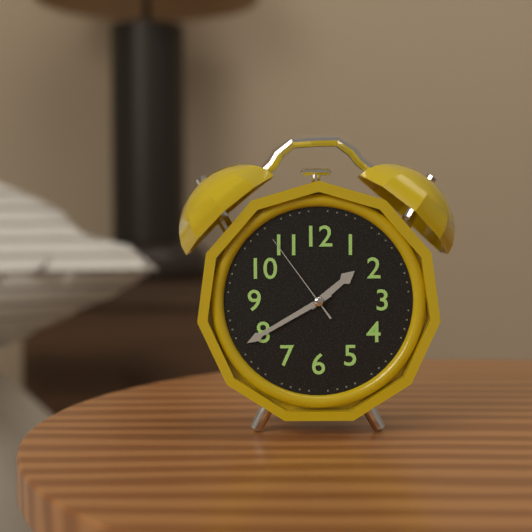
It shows 1:40:54
